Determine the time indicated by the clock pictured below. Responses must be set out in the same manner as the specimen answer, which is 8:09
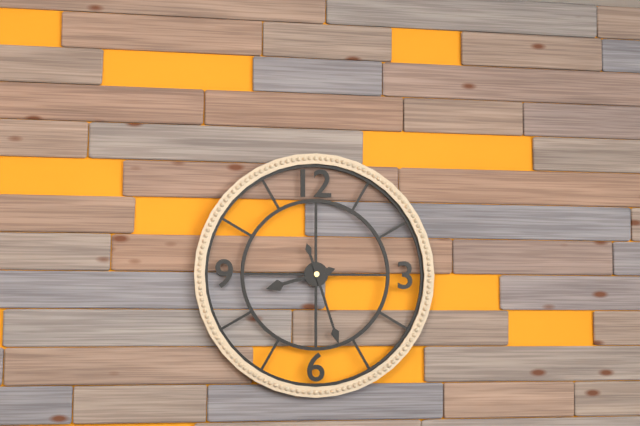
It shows 8:27
